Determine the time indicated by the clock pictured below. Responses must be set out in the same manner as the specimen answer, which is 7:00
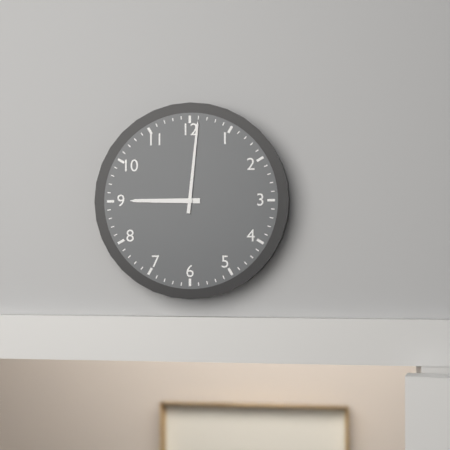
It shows 9:01
